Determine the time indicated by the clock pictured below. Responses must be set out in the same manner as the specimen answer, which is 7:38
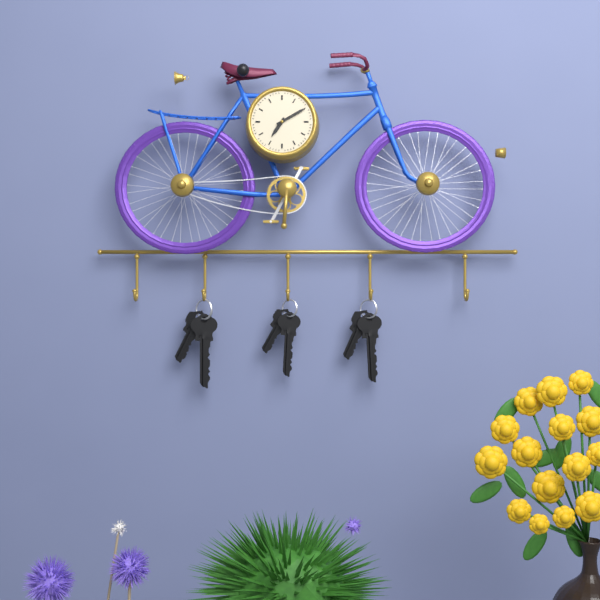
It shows 7:10
